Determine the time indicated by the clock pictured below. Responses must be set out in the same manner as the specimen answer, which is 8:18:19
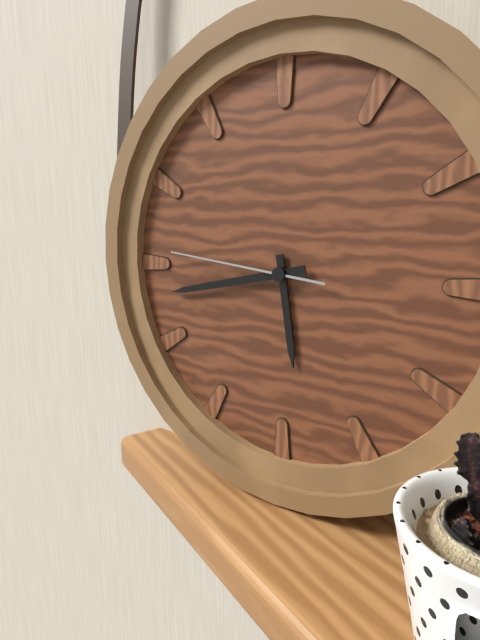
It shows 5:43:46
